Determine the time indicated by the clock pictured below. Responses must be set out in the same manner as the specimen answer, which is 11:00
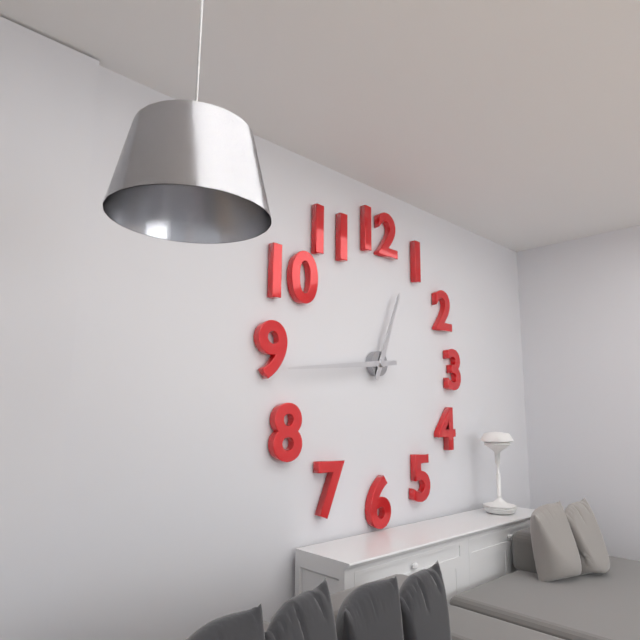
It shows 12:44
